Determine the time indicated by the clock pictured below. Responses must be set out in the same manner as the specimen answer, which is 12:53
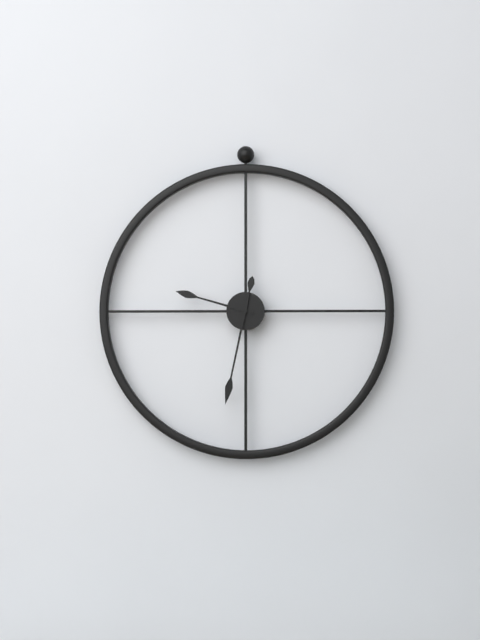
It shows 9:32
